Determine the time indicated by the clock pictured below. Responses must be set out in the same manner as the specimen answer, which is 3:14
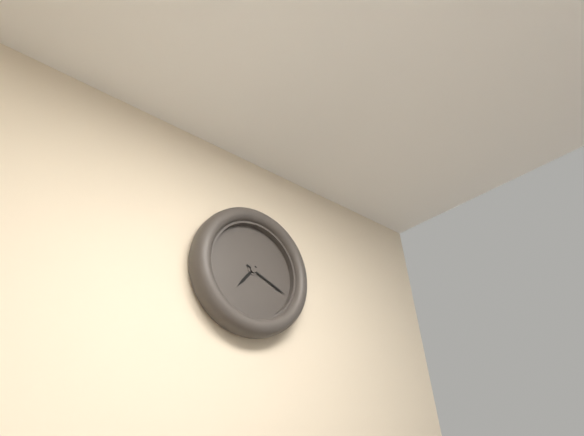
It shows 7:19
